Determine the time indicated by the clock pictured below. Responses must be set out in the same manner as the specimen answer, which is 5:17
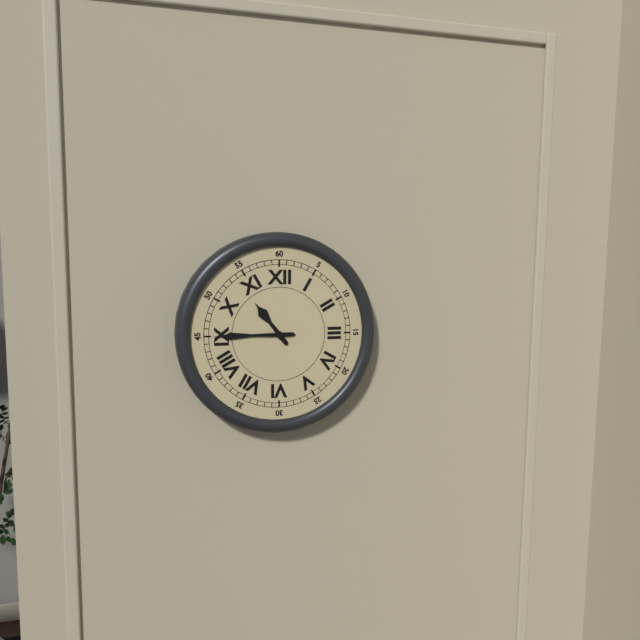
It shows 10:45
